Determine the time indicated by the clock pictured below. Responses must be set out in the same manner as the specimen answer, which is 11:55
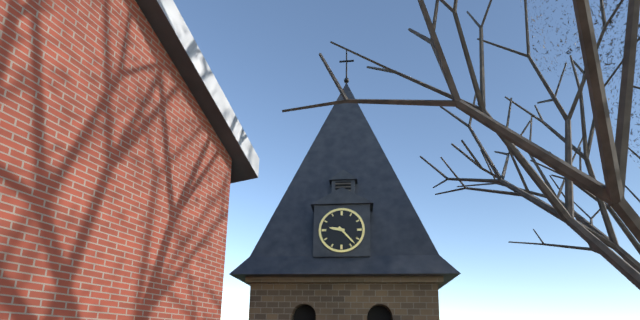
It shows 9:23
